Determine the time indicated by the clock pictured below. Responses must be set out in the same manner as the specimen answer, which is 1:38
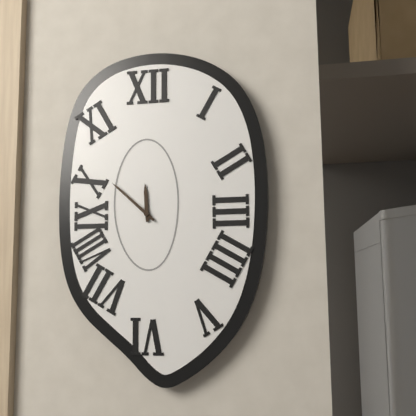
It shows 11:52
